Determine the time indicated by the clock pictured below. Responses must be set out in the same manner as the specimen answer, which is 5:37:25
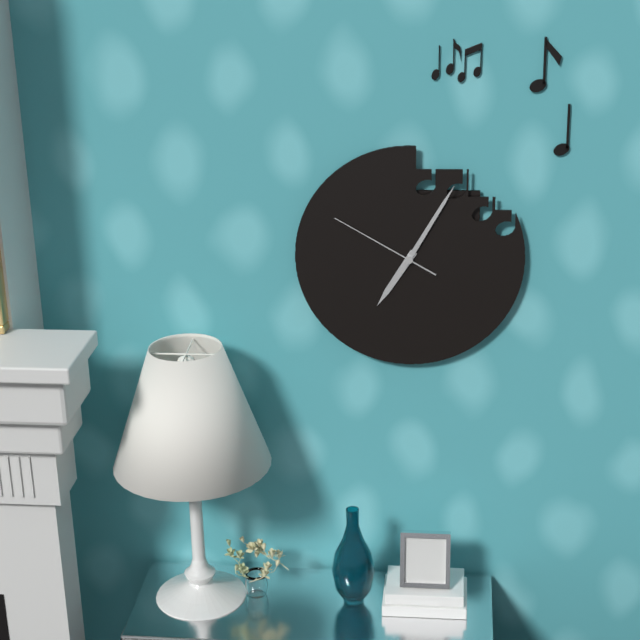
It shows 7:05:50
